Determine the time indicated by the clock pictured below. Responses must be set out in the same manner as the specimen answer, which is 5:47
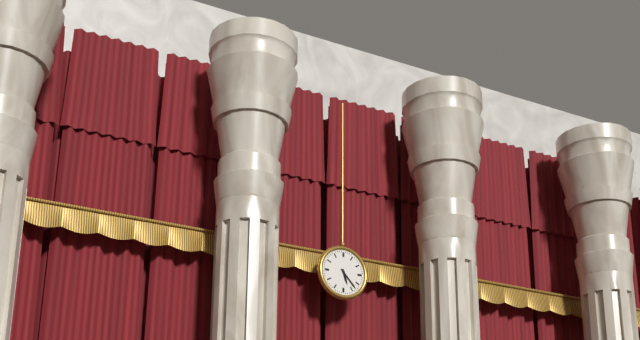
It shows 5:23
